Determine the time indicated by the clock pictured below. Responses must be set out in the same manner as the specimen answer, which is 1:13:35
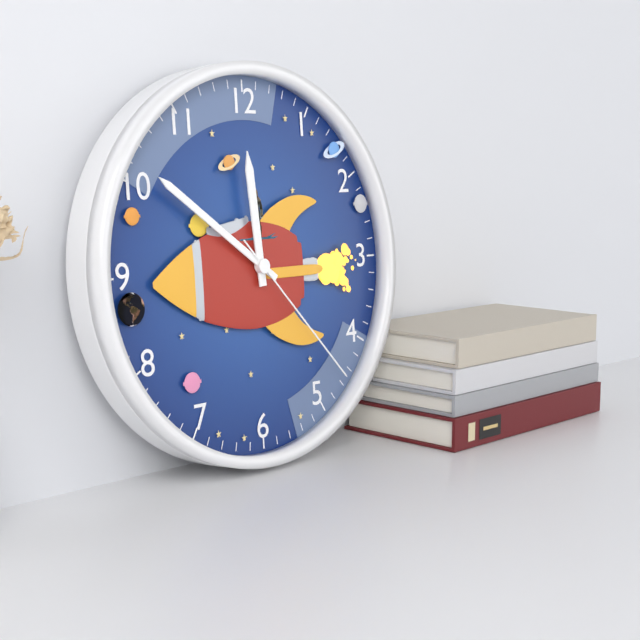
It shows 11:51:23
